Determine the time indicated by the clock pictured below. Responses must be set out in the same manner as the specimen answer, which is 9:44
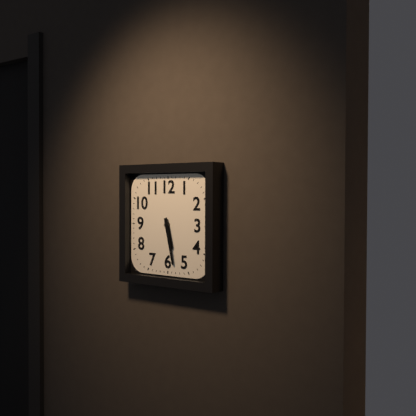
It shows 5:28
